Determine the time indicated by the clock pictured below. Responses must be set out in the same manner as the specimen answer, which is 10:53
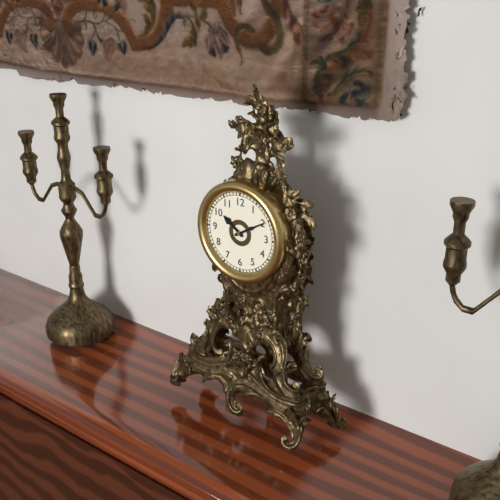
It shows 10:10
